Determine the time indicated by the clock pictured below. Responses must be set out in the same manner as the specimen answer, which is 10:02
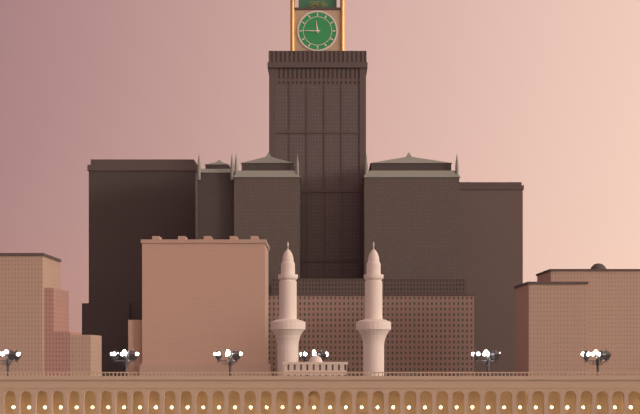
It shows 11:45
